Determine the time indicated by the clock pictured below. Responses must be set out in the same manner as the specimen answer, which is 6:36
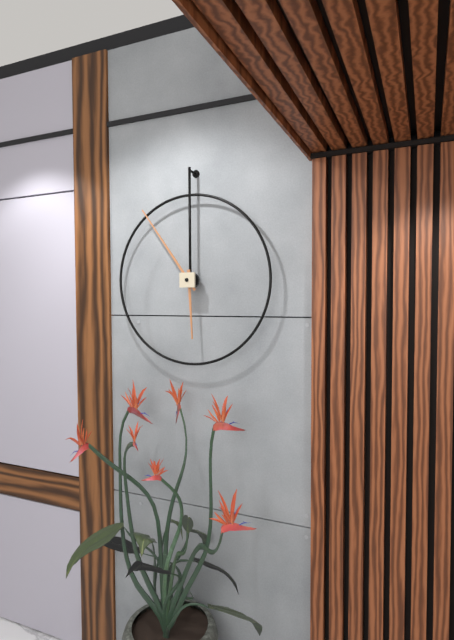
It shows 5:54
